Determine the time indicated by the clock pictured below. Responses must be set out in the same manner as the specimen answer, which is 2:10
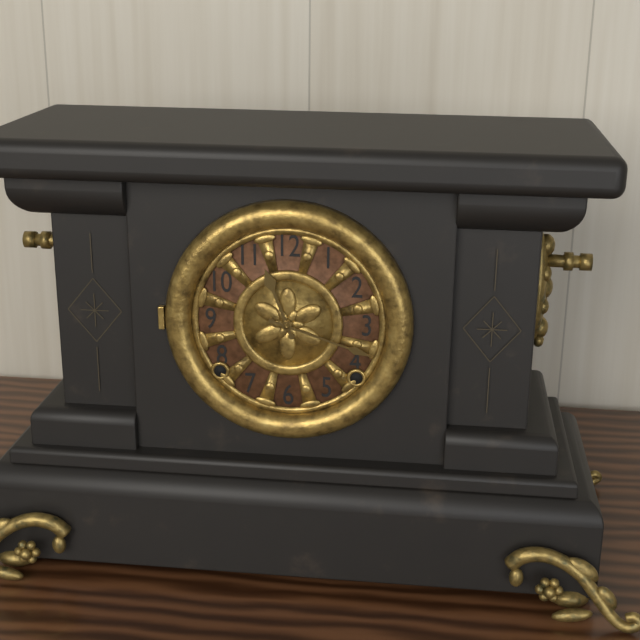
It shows 11:18
